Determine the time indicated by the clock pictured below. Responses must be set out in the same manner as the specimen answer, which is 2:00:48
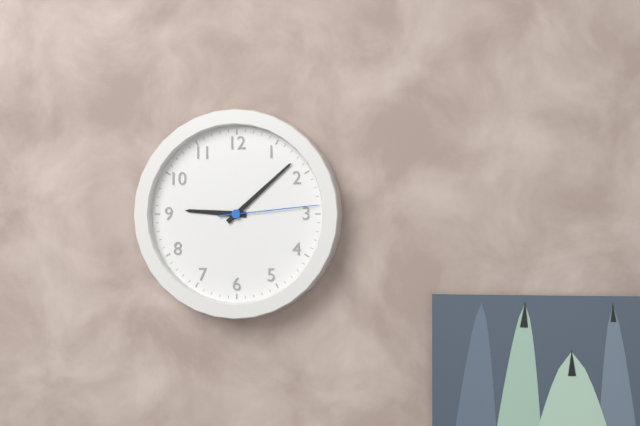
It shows 9:08:14
